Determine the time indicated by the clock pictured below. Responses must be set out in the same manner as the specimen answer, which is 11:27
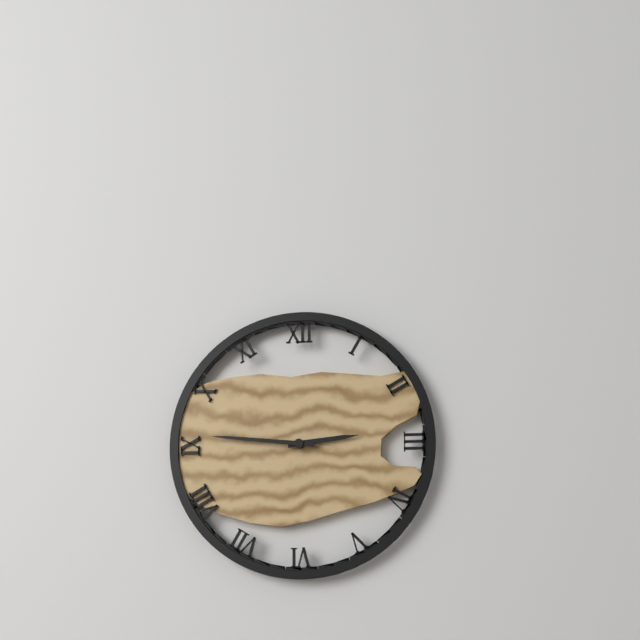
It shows 2:46
